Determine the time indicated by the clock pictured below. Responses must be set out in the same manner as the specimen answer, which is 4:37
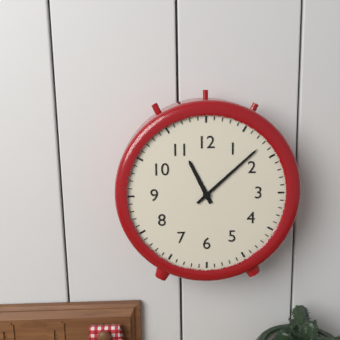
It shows 11:08
